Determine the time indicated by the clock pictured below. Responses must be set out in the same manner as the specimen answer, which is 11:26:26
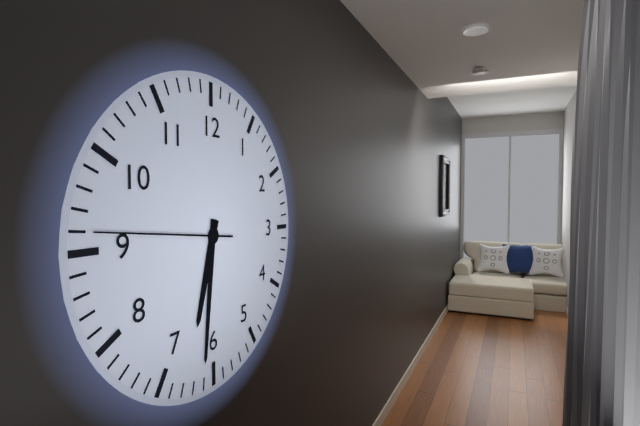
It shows 6:31:46
